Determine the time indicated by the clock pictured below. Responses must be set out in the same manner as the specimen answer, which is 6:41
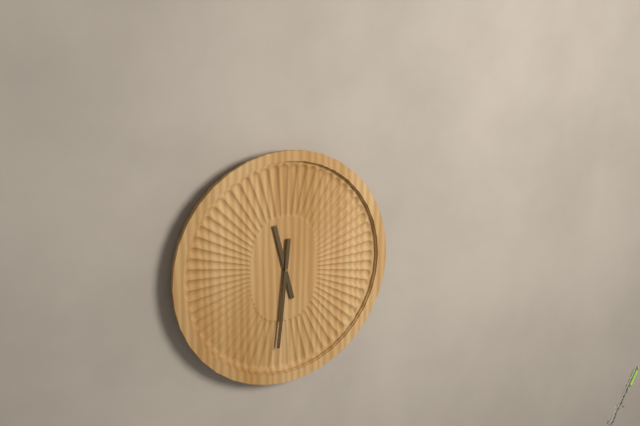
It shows 11:31
